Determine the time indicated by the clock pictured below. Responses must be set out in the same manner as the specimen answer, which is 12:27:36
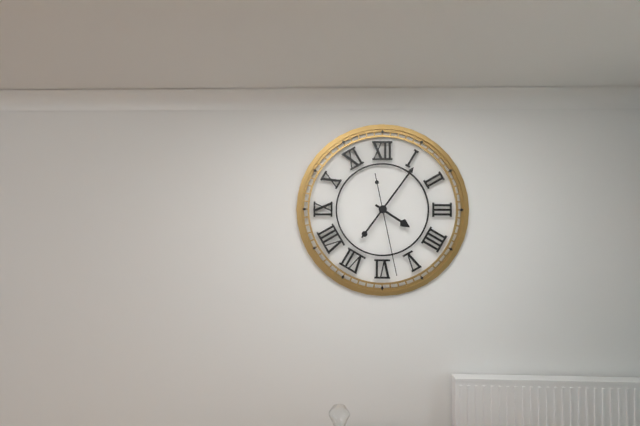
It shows 4:06:28
